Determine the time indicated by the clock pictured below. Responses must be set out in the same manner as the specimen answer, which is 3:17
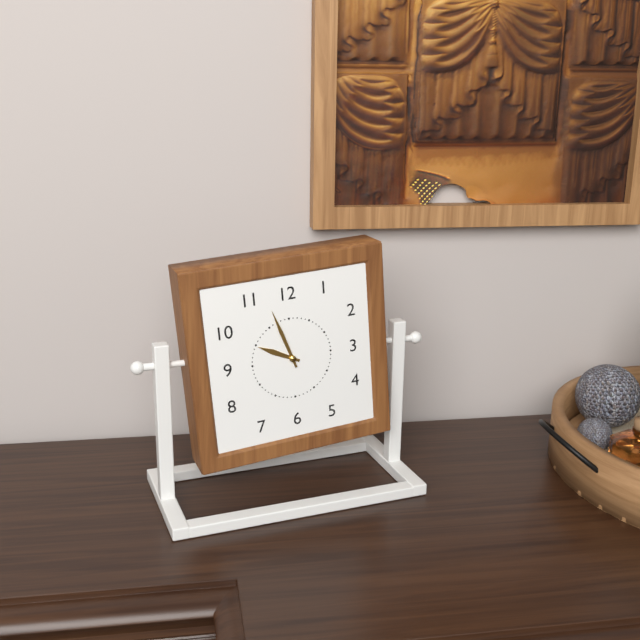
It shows 9:57
